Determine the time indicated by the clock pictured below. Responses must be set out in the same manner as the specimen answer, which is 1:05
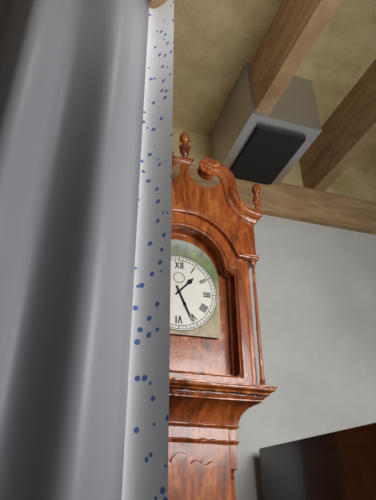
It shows 1:26
